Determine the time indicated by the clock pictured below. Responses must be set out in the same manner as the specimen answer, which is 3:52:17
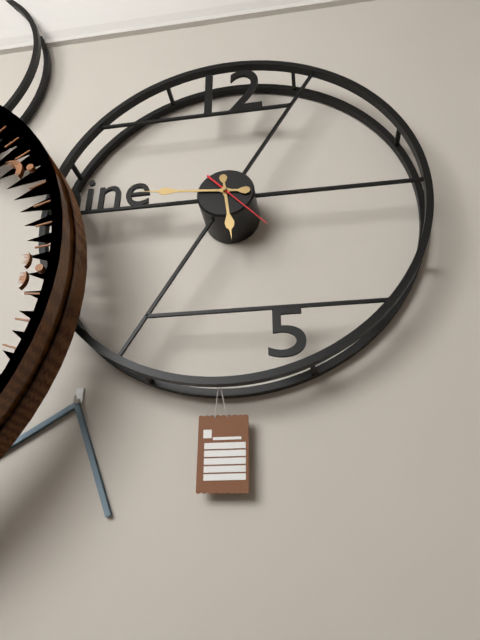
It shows 5:46:23
